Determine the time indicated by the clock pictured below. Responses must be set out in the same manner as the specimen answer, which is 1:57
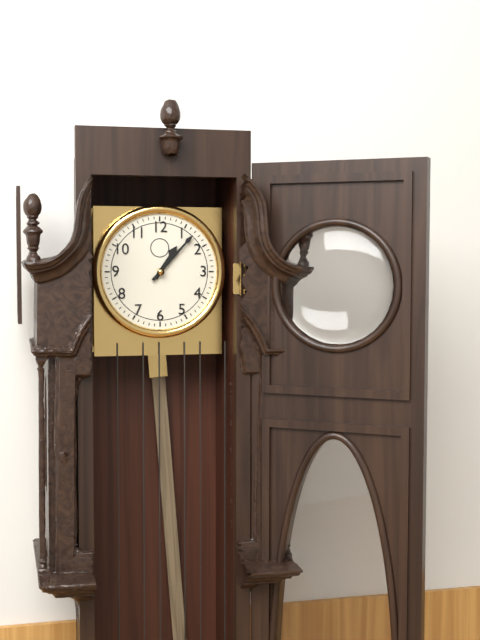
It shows 1:07
